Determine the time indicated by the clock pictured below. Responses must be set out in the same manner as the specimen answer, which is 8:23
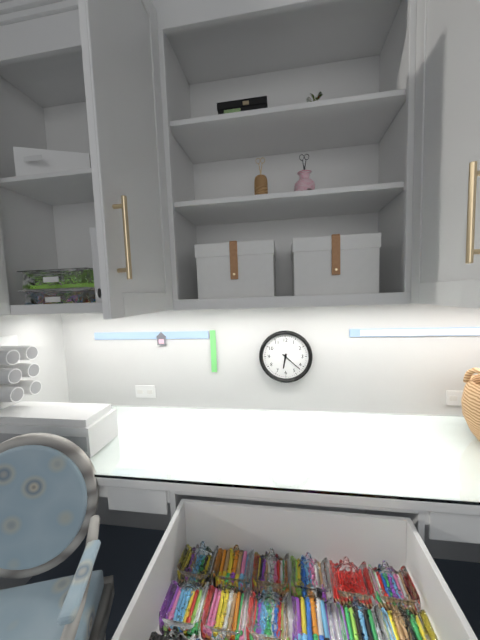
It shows 6:22
